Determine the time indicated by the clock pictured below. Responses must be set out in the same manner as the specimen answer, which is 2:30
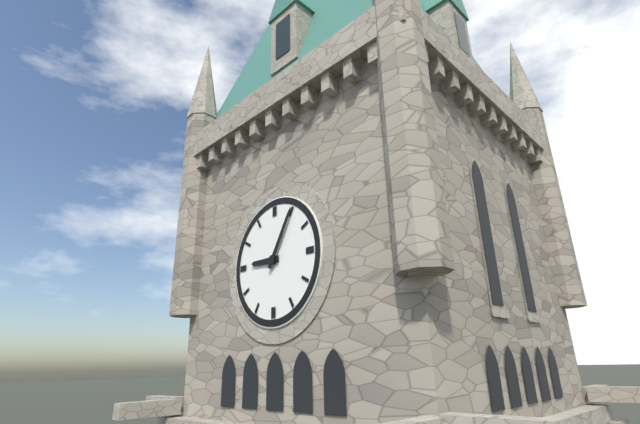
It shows 9:05
